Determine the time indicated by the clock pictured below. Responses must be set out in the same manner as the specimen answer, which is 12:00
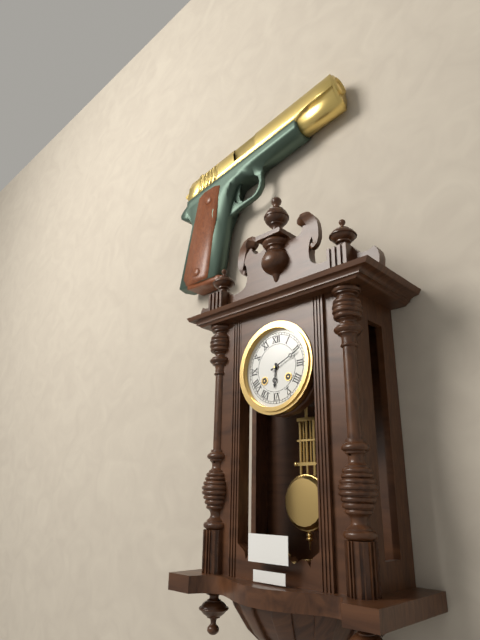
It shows 6:11
